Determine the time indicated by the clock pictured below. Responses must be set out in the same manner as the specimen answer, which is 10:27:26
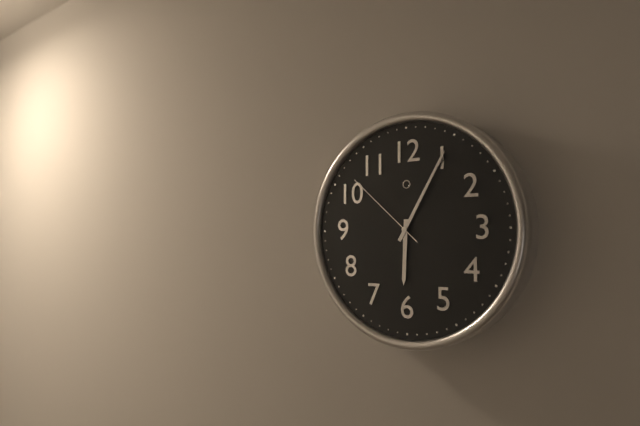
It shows 6:05:52
